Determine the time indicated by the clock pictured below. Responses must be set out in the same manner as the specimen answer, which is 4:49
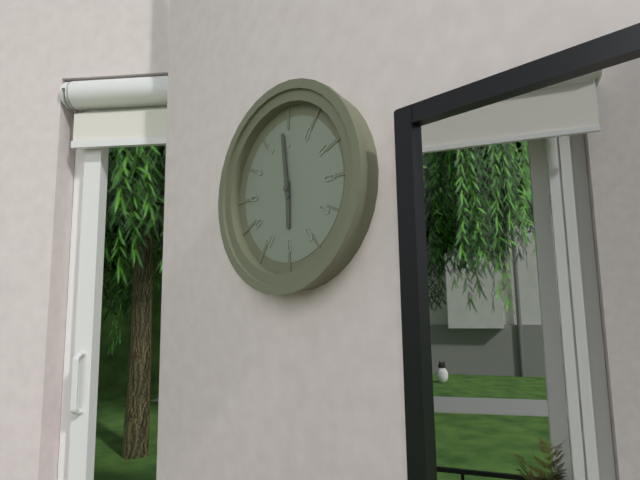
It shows 5:59
